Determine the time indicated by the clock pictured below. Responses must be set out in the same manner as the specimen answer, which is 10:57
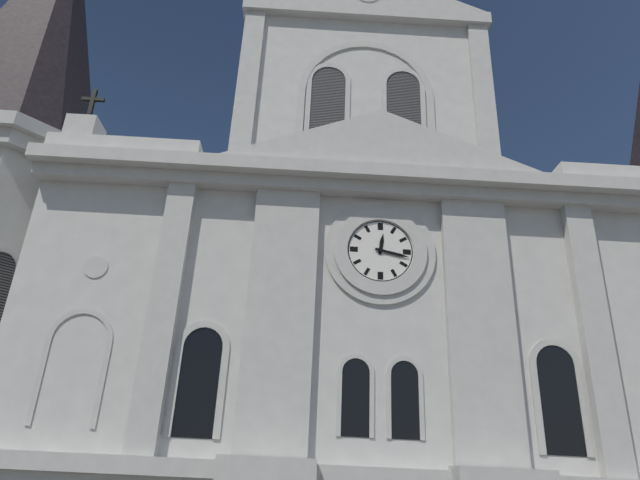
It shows 12:17
